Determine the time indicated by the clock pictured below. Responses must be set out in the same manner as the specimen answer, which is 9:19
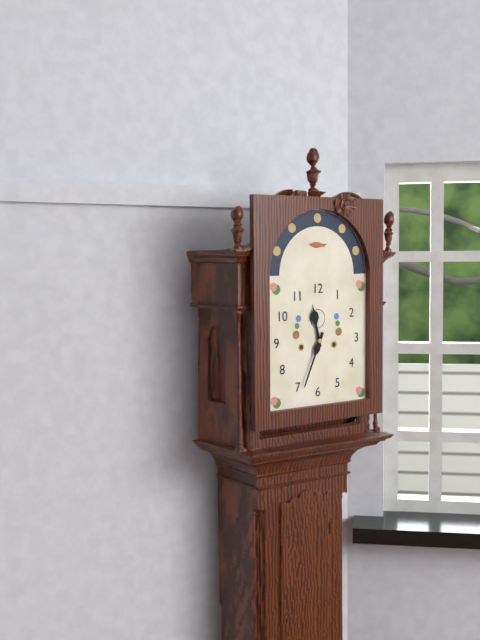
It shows 11:34
